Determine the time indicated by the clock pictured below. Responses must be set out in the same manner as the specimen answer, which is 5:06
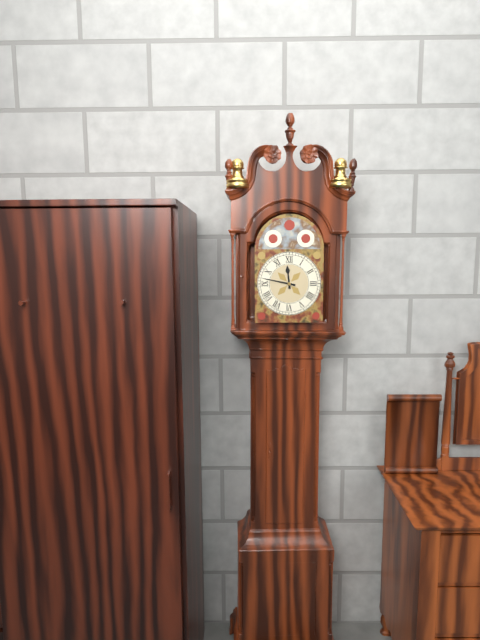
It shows 11:47
